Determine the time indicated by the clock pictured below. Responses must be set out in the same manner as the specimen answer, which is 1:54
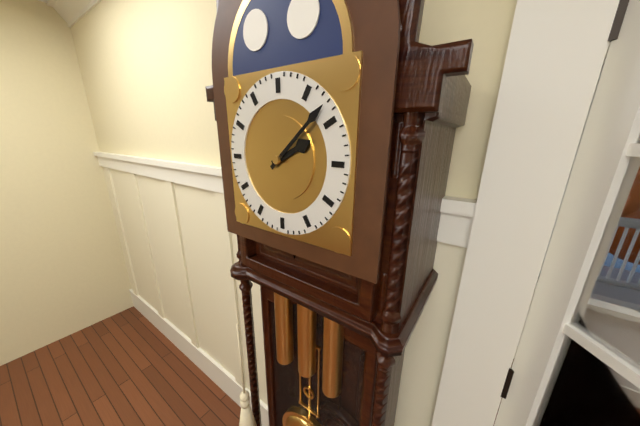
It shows 2:08
